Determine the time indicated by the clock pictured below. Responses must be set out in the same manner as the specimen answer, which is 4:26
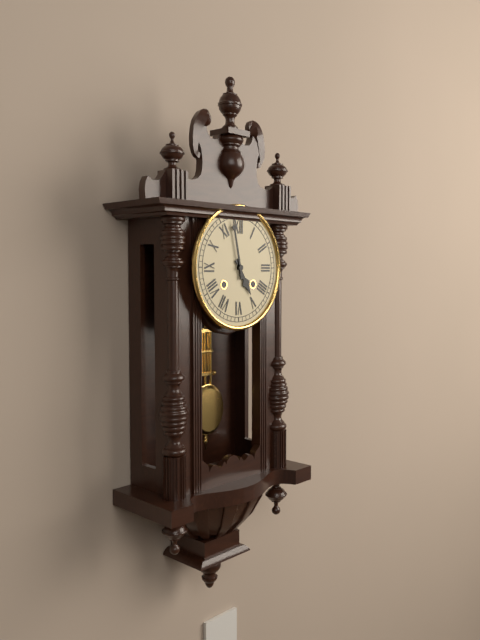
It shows 4:58
